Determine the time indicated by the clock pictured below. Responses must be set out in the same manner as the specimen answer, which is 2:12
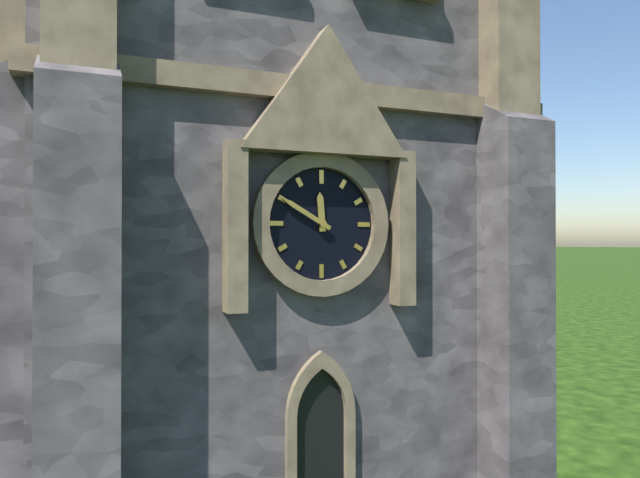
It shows 11:50
